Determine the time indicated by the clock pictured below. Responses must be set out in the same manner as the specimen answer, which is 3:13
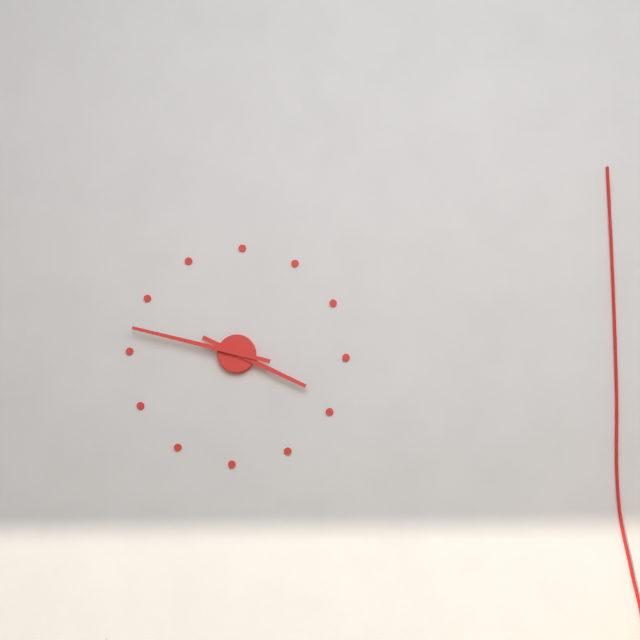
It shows 3:47
